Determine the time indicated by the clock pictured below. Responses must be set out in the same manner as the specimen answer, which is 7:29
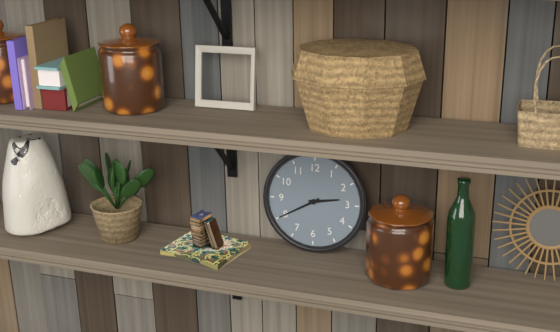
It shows 2:40
